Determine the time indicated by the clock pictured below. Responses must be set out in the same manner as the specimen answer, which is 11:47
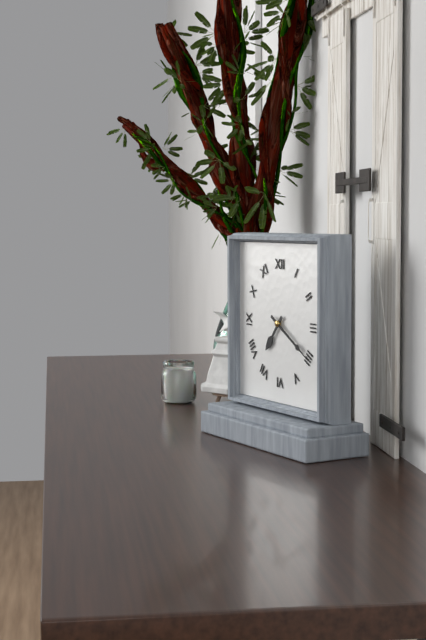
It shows 7:20
